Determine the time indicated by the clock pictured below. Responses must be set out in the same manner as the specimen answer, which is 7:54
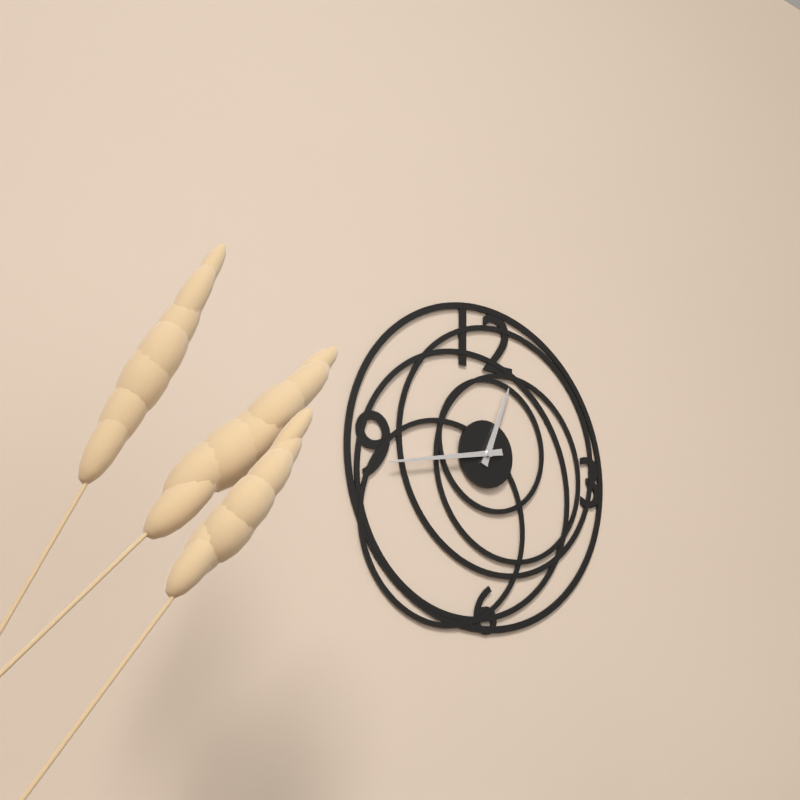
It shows 12:43
